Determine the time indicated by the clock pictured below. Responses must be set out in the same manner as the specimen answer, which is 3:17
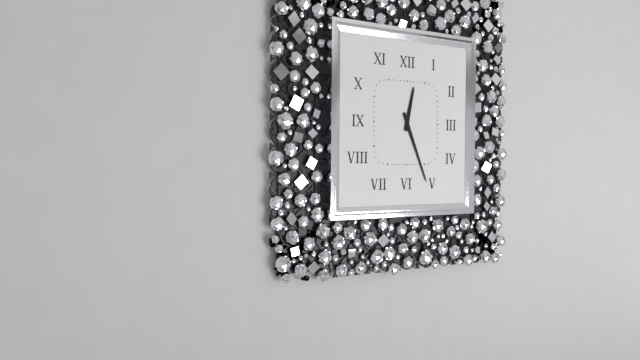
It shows 12:26
